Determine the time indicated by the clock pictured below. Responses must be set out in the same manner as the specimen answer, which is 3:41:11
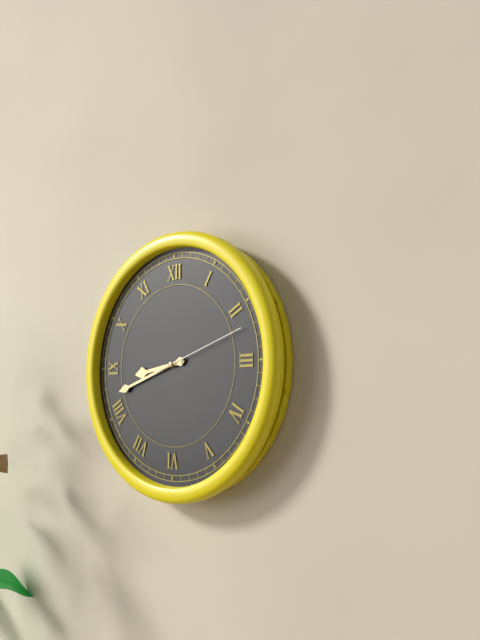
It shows 8:42:12
